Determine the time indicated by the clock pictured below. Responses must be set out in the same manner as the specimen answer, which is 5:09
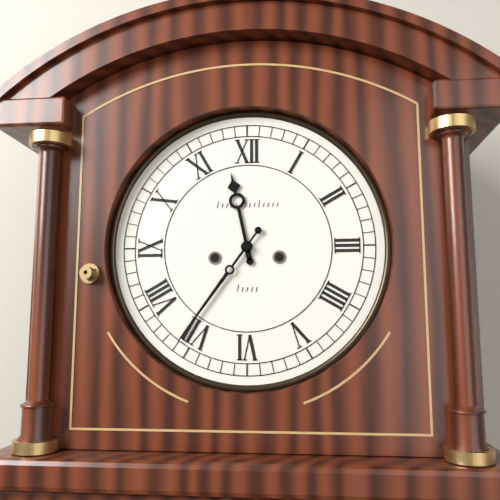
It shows 11:36
